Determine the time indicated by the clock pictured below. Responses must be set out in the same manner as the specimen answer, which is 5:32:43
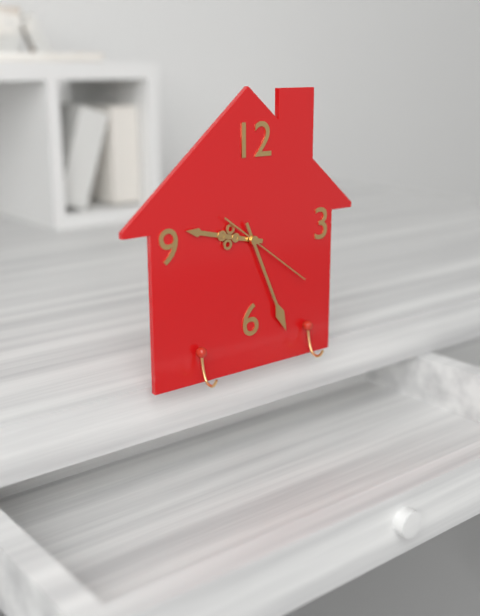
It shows 9:26:21
